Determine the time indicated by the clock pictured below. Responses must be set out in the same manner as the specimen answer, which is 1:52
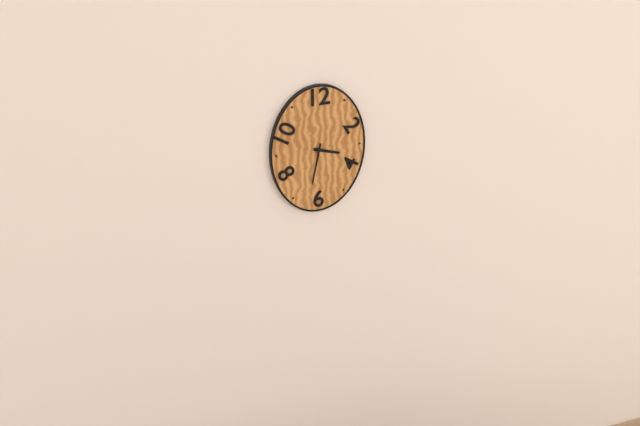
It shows 3:32
